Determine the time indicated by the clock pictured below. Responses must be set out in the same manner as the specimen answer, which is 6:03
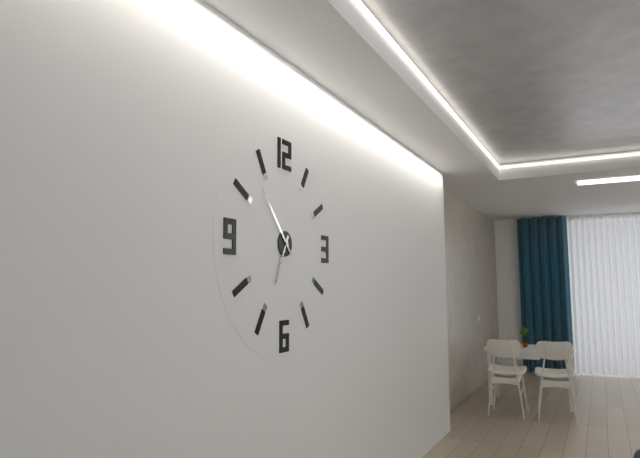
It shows 6:53
